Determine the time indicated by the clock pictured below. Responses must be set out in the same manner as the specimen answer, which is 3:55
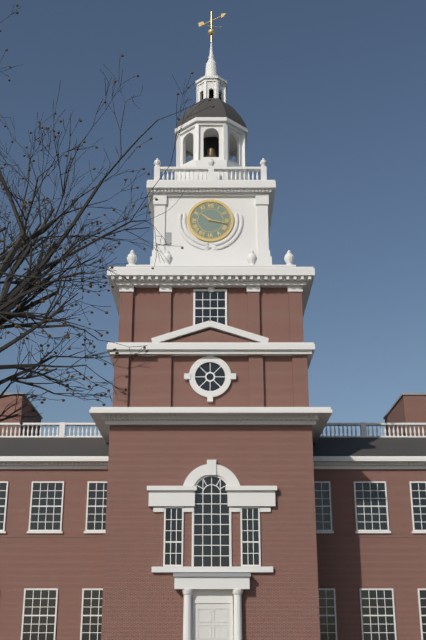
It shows 10:17
